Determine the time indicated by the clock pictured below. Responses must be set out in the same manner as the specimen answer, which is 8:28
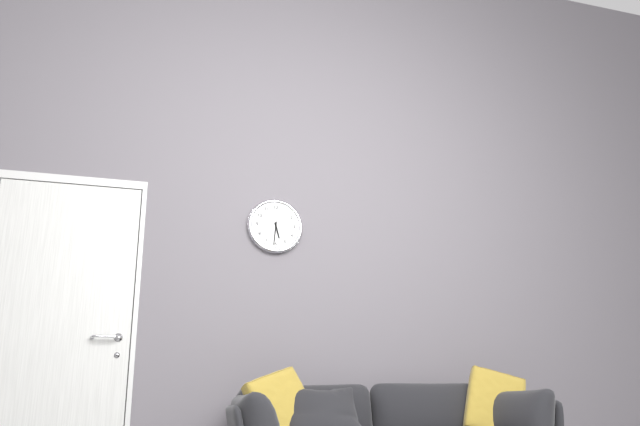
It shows 5:31
